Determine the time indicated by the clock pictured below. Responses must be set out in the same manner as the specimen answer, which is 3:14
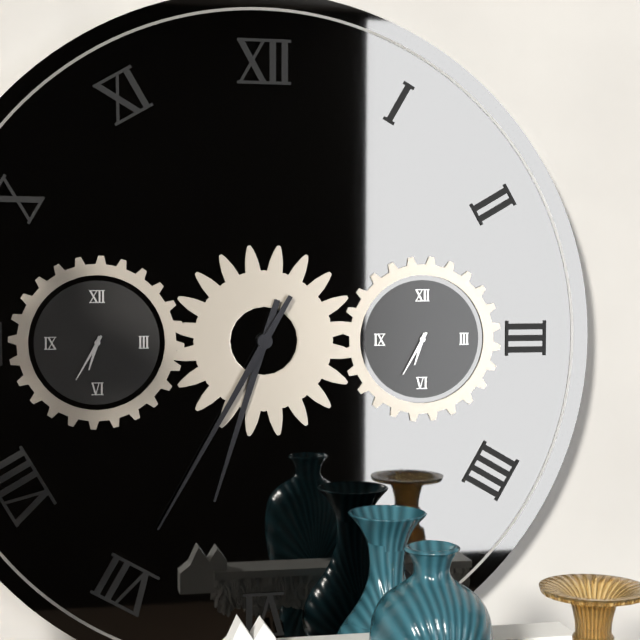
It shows 6:35
